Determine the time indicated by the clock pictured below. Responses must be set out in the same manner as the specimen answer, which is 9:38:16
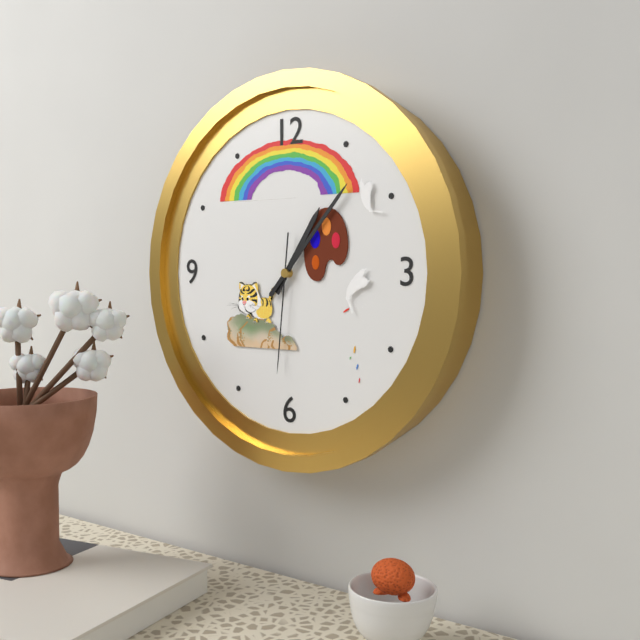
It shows 1:07:31
